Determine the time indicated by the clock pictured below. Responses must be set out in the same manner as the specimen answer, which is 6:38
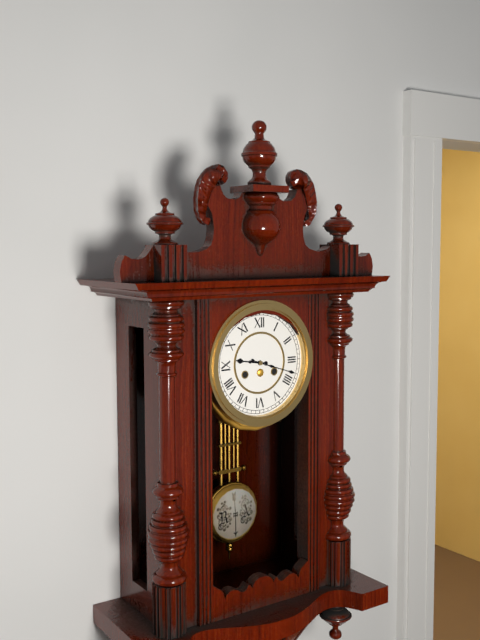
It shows 9:18
